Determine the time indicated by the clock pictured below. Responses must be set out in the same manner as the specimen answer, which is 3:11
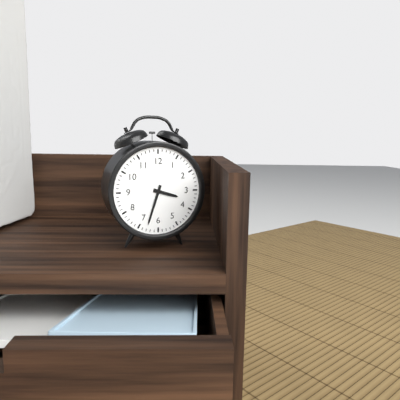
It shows 3:33
